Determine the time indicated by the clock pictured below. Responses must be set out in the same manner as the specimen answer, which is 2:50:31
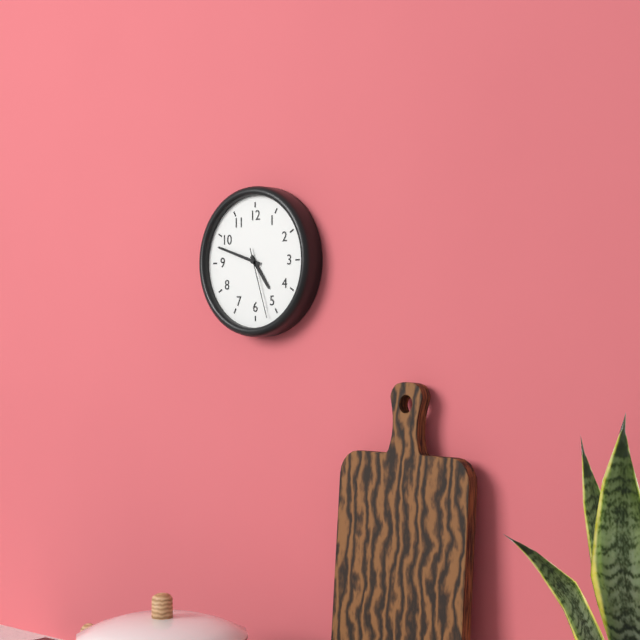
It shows 4:48:27
